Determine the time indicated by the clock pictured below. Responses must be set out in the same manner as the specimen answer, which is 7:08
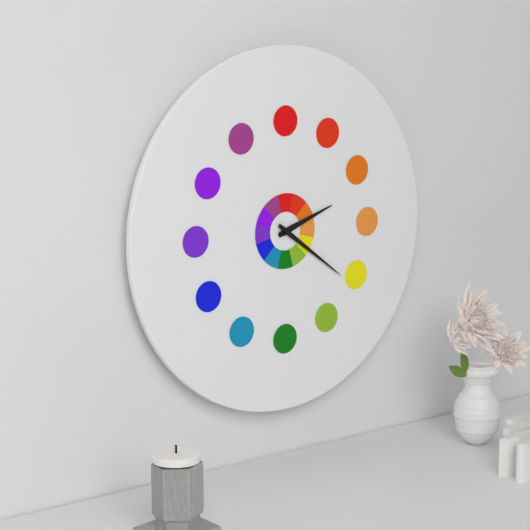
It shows 2:21
